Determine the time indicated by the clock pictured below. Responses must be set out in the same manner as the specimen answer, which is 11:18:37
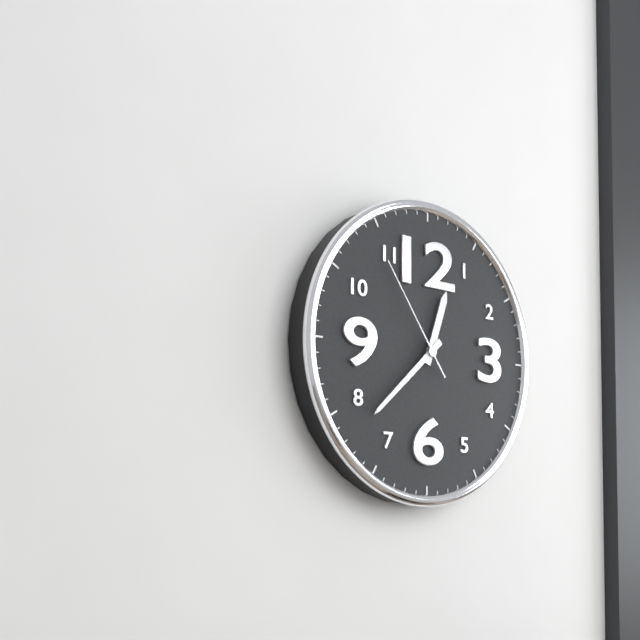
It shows 12:38:54
